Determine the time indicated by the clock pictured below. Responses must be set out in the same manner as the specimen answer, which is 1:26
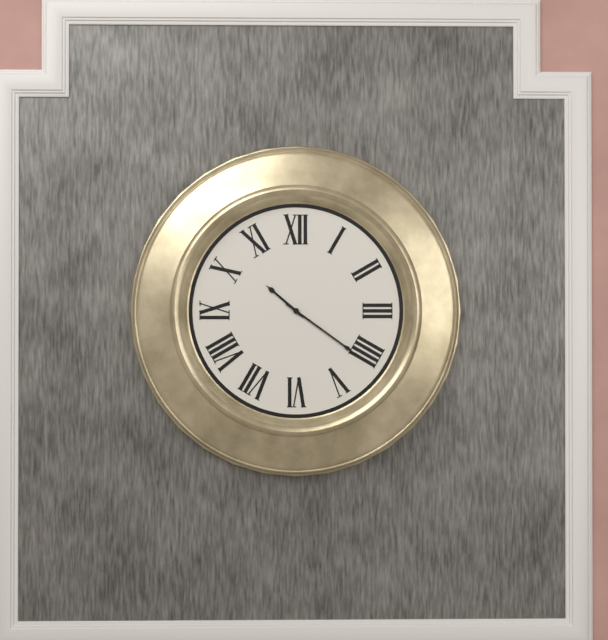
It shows 10:21
